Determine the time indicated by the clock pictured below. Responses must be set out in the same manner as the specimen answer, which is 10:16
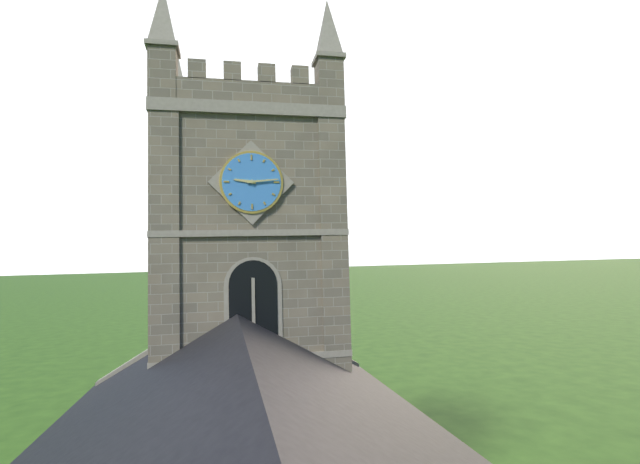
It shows 9:14
